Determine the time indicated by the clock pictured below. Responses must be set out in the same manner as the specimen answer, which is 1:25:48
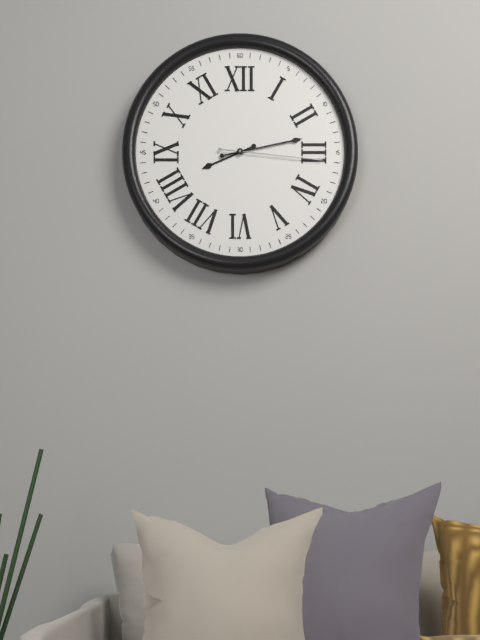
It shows 8:13:16
